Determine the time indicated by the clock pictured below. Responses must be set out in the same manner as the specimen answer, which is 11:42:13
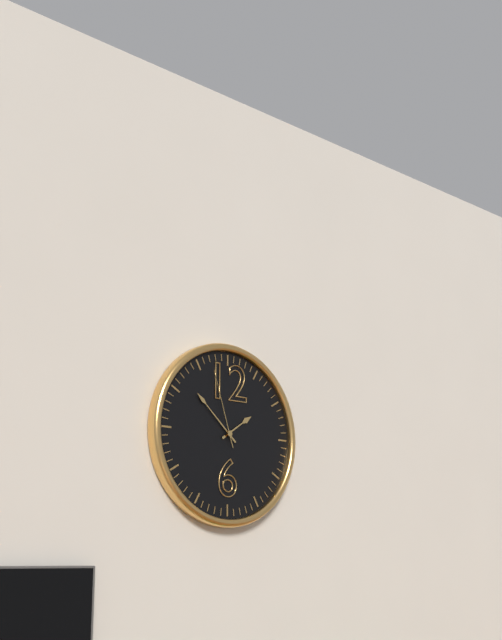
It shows 1:52:57
